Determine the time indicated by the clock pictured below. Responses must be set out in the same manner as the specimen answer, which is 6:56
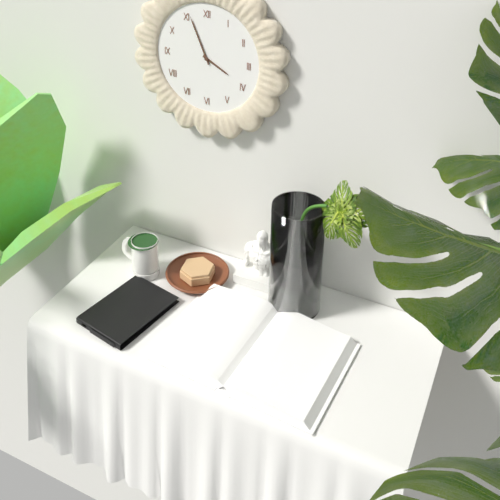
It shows 3:56
